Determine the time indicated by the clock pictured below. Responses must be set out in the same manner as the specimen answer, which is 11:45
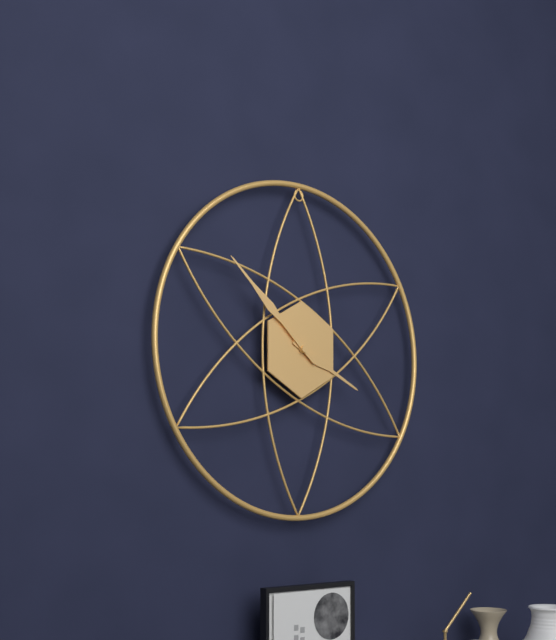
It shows 3:52
